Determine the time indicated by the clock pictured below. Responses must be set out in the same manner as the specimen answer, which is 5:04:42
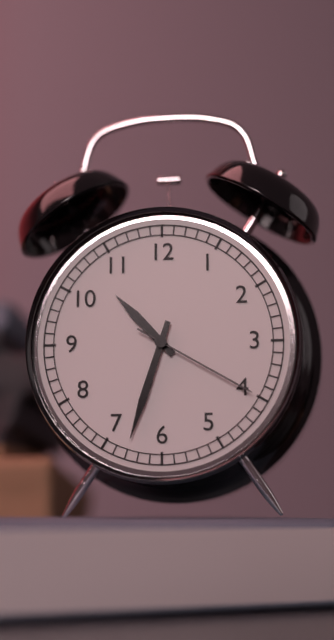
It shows 10:33:20
